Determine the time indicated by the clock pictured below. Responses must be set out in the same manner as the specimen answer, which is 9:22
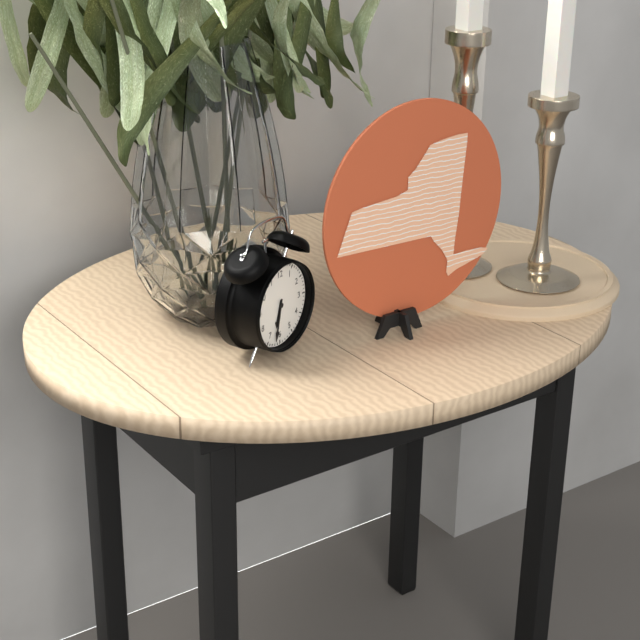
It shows 6:32
